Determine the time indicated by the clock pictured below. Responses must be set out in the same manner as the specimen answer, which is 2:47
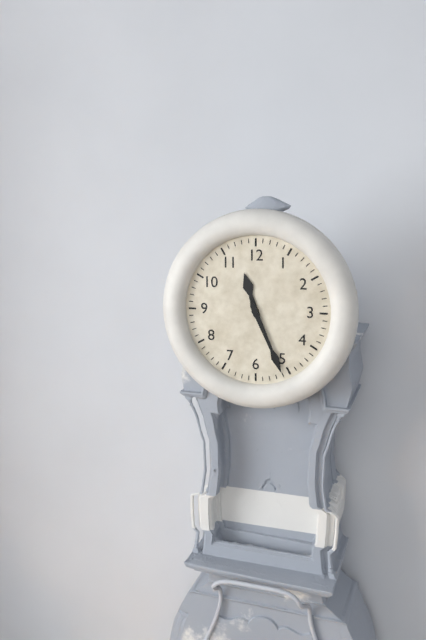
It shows 11:26
